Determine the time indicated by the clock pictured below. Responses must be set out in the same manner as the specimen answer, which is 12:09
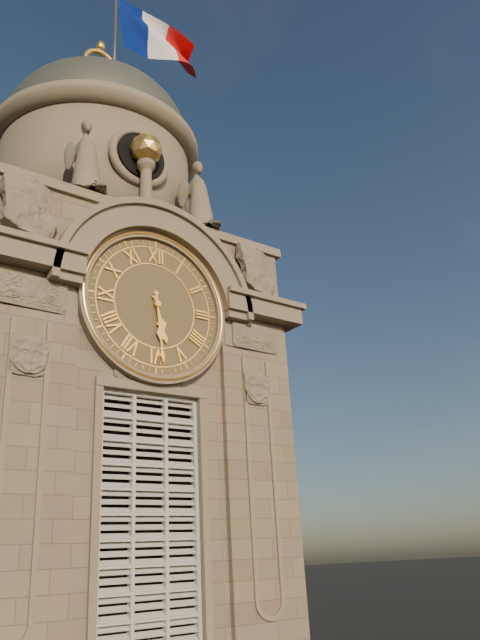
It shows 5:29
